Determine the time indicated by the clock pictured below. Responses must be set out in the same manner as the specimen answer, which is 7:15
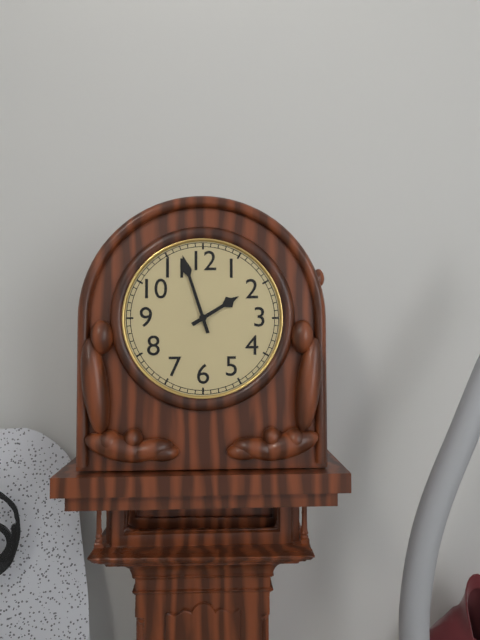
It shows 1:57
